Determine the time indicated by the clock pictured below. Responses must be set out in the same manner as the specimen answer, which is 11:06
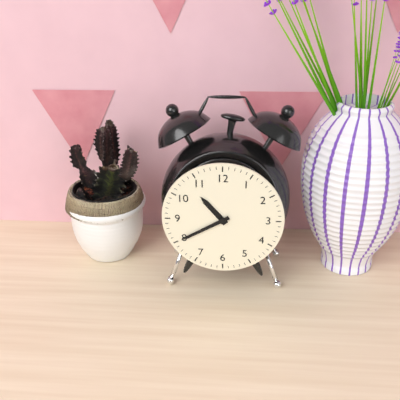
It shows 10:40
